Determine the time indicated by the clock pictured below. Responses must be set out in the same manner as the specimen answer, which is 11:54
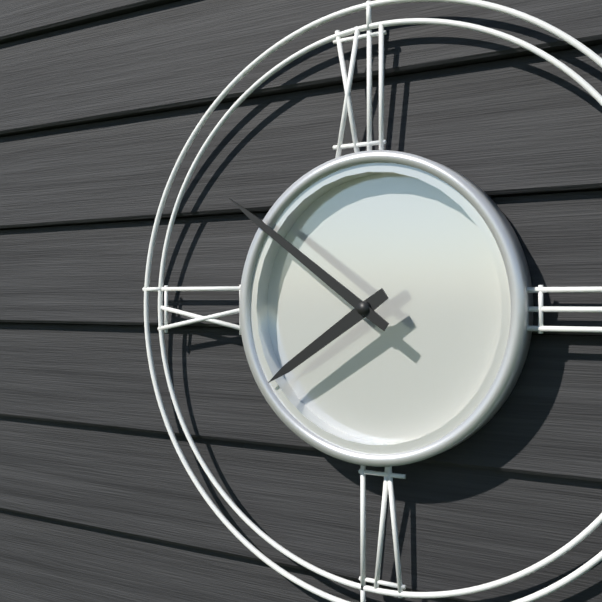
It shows 7:51
